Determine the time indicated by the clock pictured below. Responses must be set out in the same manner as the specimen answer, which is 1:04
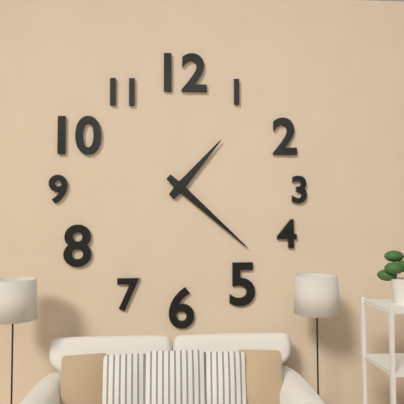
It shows 1:22
